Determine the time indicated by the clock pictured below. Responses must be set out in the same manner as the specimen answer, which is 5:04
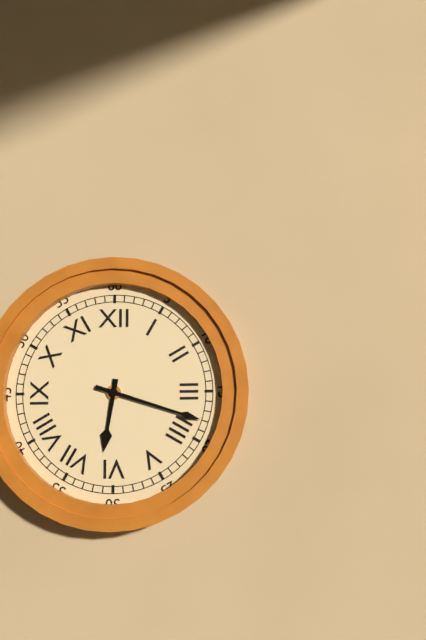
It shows 6:18
